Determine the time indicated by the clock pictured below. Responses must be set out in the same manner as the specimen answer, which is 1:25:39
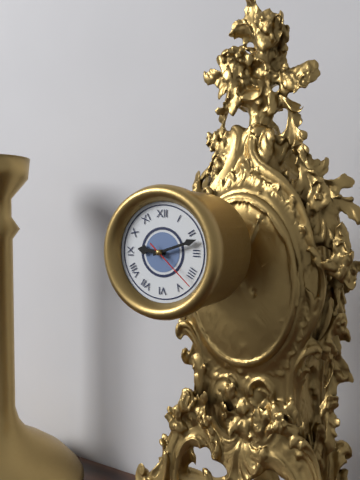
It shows 9:12:22
